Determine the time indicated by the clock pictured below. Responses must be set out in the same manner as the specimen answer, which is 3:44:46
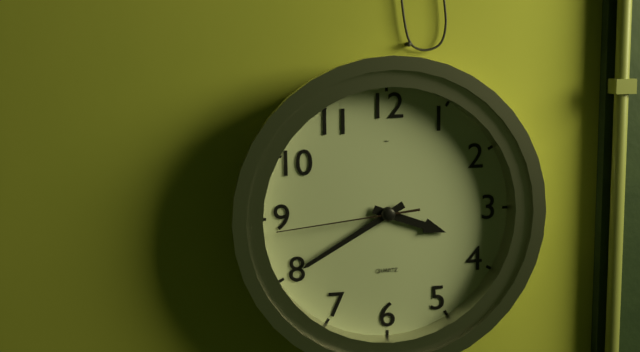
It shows 3:40:44
